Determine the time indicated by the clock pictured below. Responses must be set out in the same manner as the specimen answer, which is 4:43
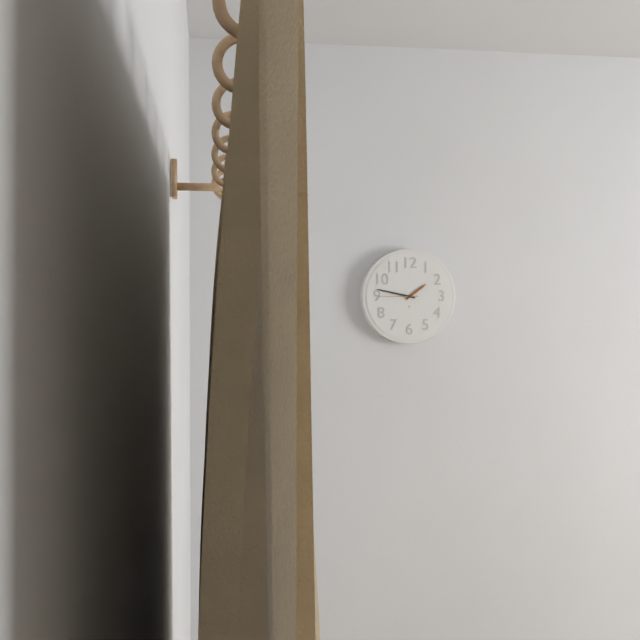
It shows 1:47
